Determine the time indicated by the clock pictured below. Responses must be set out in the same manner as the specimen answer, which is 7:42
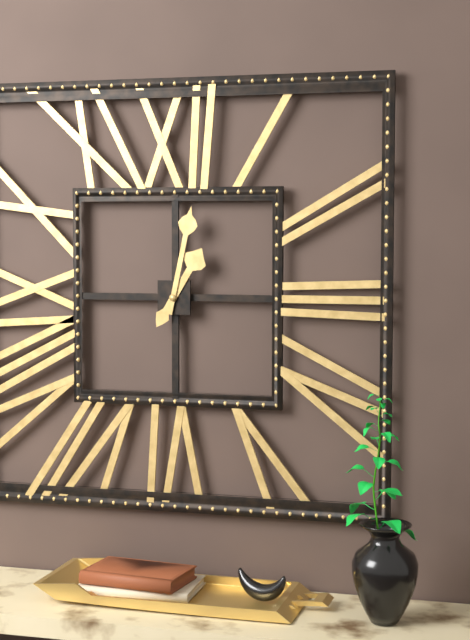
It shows 1:02
